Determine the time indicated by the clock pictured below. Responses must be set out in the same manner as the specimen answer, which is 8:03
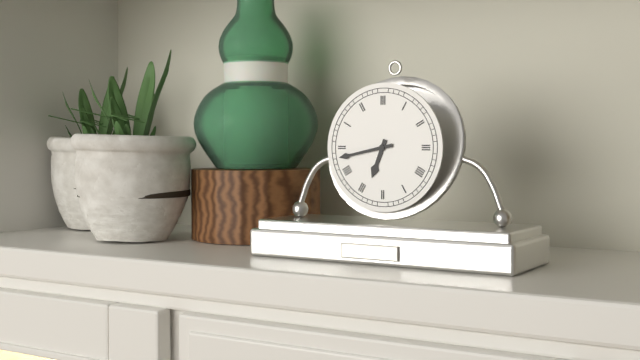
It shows 6:43
